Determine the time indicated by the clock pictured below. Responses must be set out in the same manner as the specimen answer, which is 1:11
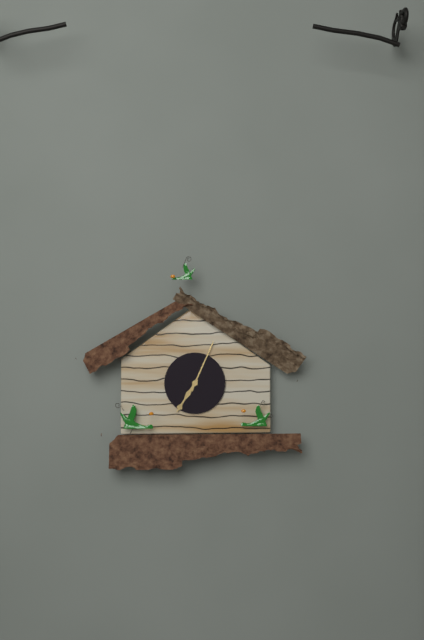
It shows 7:04
